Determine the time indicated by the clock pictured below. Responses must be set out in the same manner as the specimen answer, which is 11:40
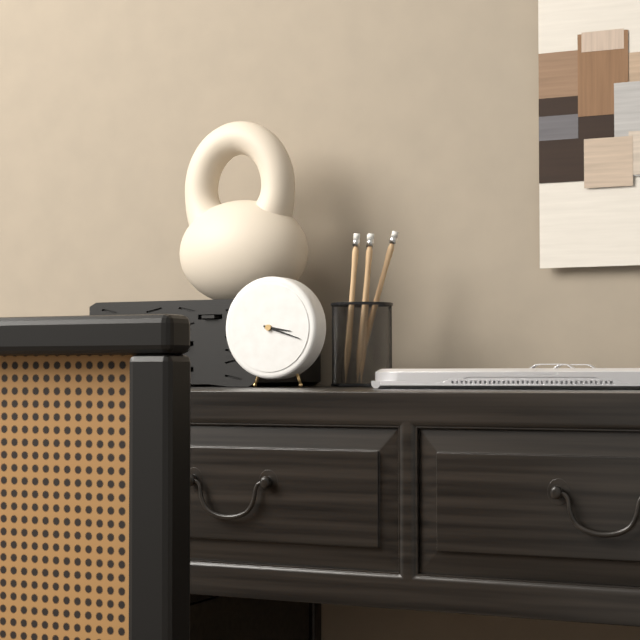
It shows 3:18
